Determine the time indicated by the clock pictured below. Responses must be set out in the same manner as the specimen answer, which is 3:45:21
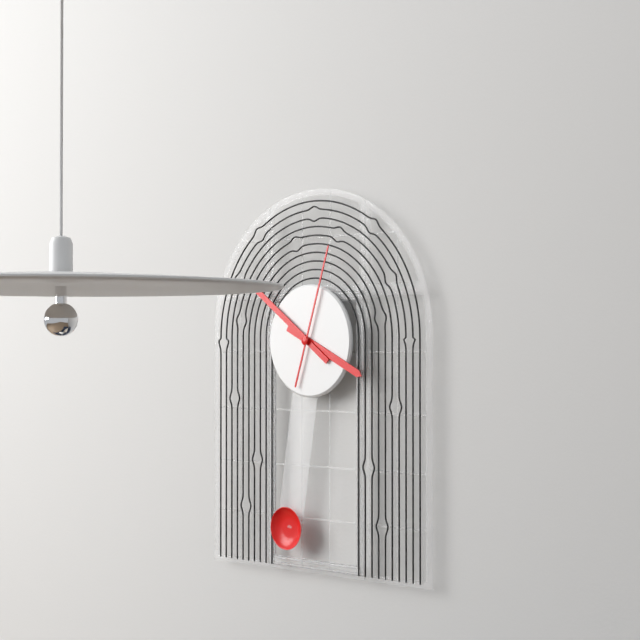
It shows 3:51:03
